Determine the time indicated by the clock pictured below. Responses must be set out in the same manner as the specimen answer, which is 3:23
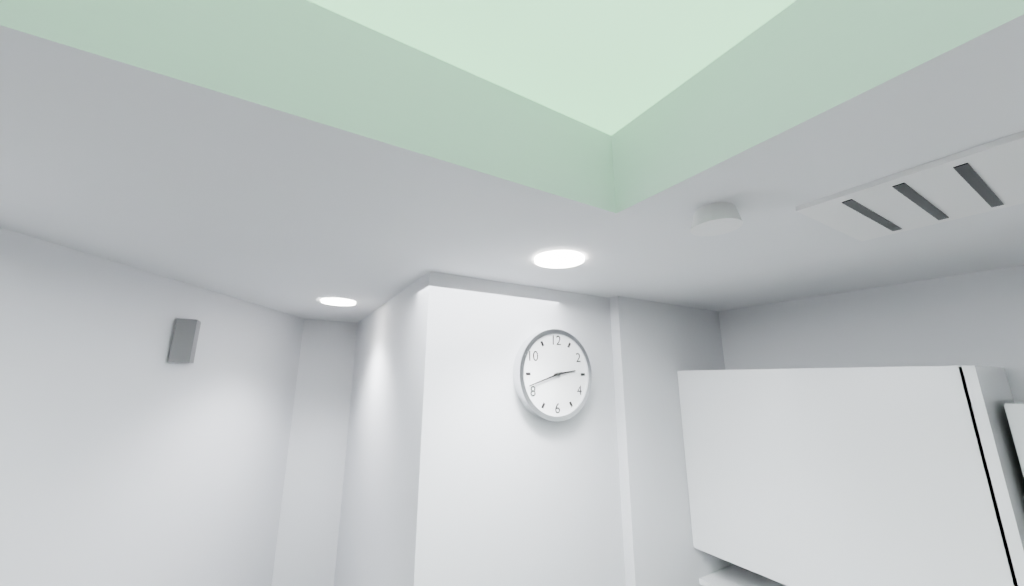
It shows 2:42
